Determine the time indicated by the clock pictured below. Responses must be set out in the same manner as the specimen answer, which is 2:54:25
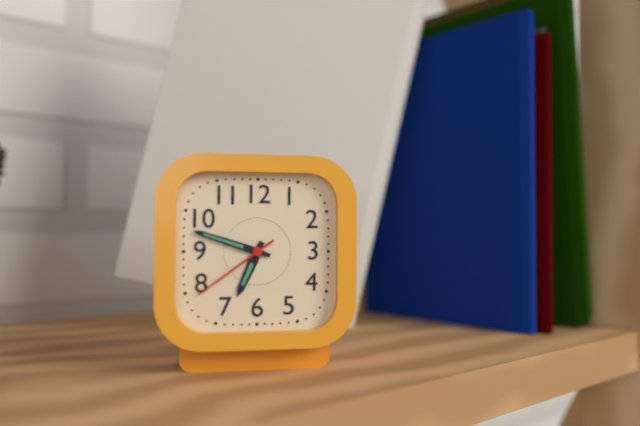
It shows 6:48:39
